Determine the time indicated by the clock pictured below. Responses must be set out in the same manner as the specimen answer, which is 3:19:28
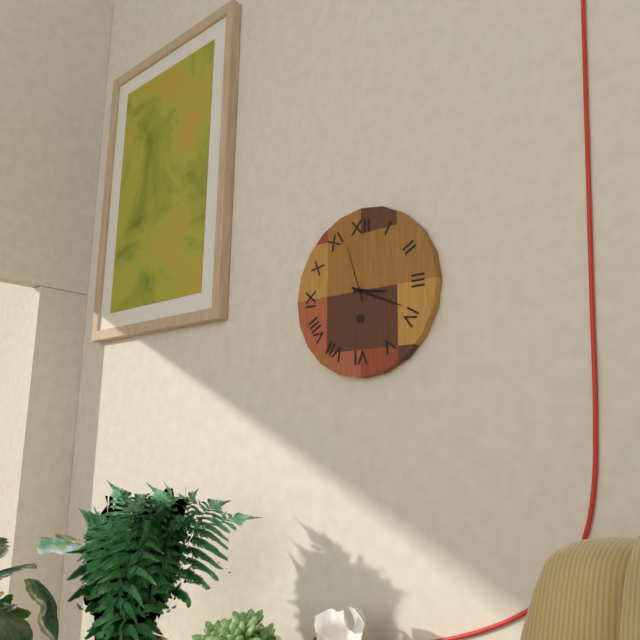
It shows 3:19:57
